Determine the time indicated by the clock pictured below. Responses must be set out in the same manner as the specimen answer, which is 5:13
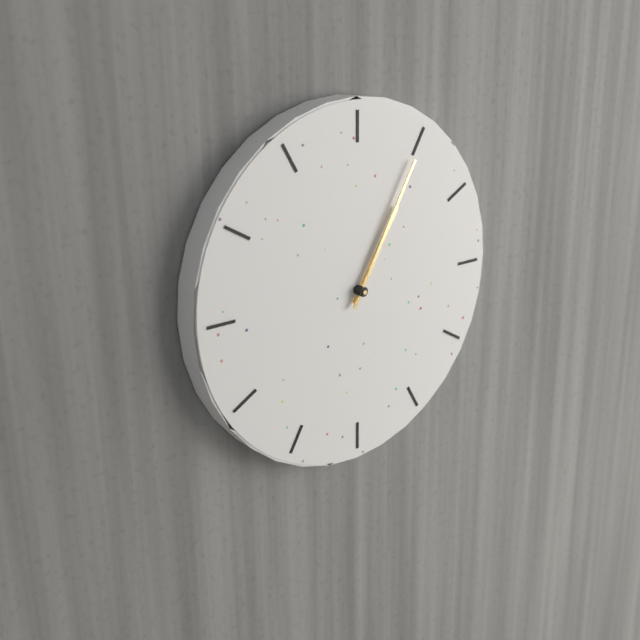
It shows 1:05
